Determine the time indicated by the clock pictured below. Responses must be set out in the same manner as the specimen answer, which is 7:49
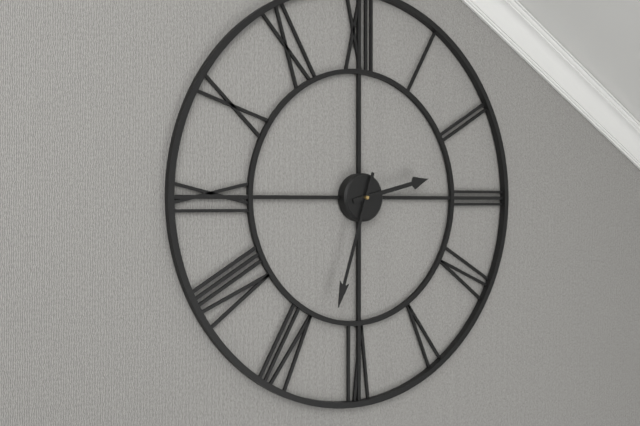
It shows 2:33
